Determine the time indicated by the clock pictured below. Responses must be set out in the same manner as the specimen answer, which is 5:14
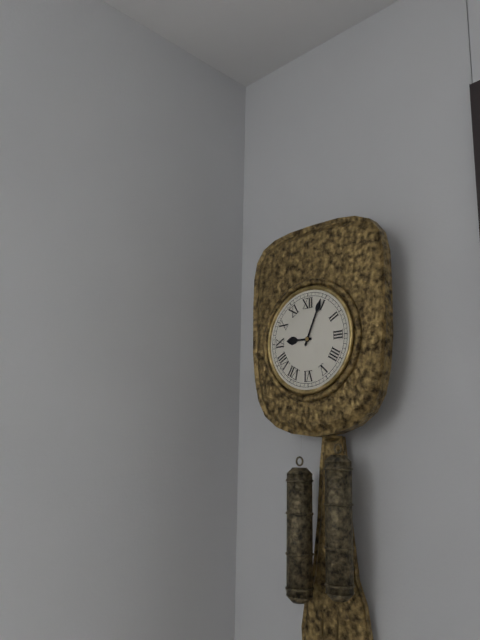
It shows 9:04
